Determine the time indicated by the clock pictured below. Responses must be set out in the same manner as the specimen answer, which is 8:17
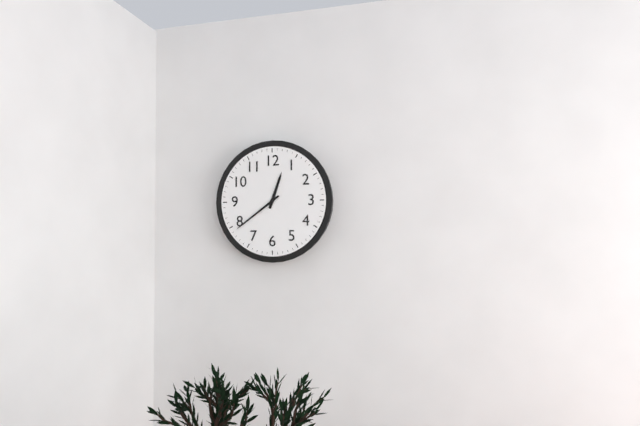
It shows 12:39
